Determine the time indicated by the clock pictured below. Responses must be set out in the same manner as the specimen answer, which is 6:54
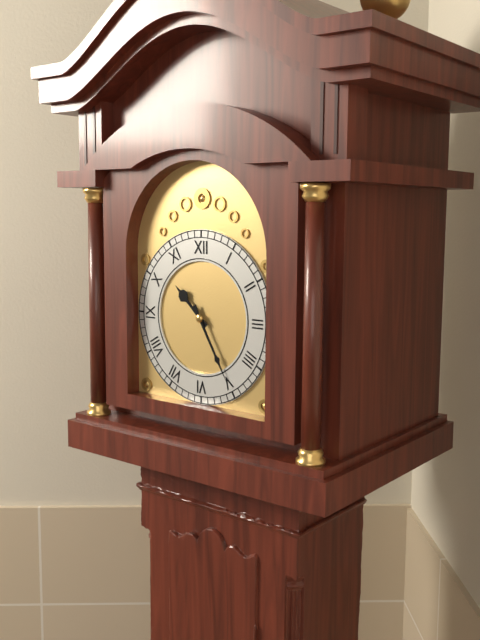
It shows 10:25
